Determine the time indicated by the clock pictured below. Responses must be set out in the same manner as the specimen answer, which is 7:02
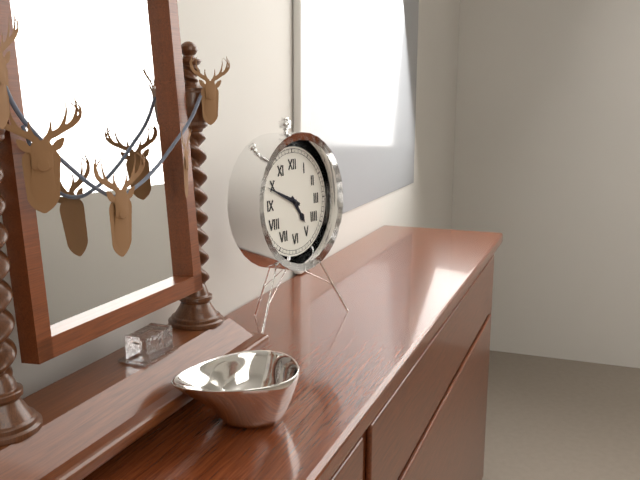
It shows 4:49
